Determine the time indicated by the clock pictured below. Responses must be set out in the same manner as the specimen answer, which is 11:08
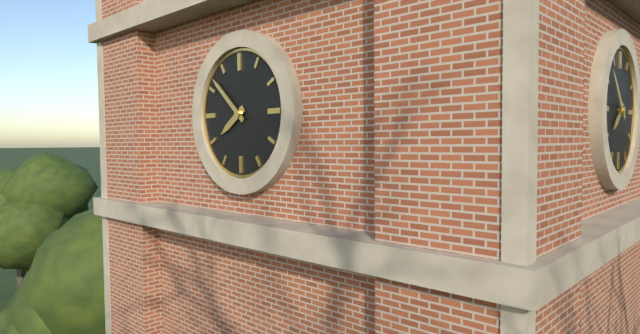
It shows 7:52
